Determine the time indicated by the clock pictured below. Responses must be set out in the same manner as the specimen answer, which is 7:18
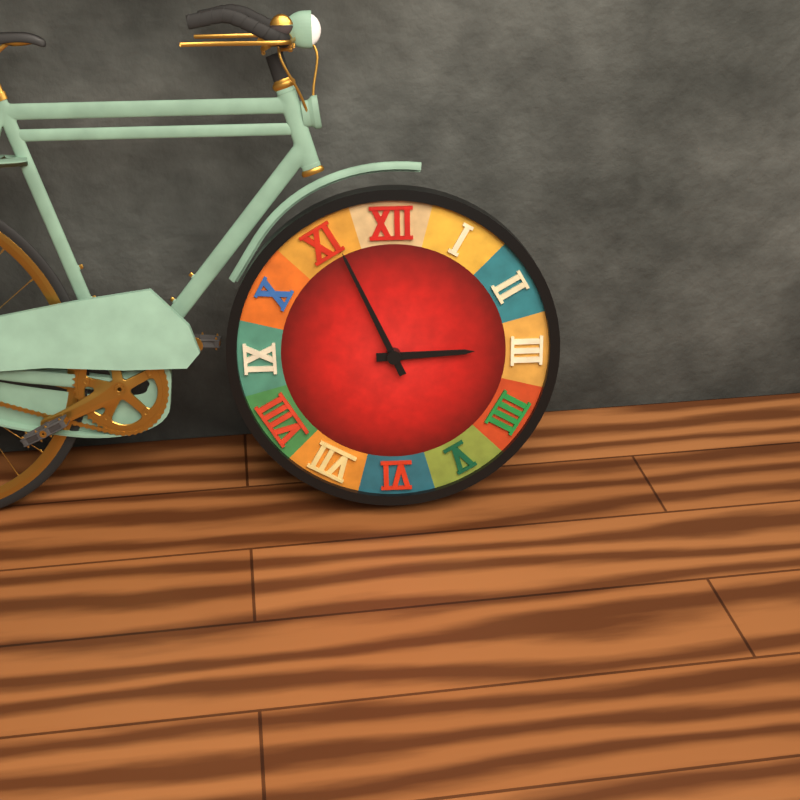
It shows 2:56
